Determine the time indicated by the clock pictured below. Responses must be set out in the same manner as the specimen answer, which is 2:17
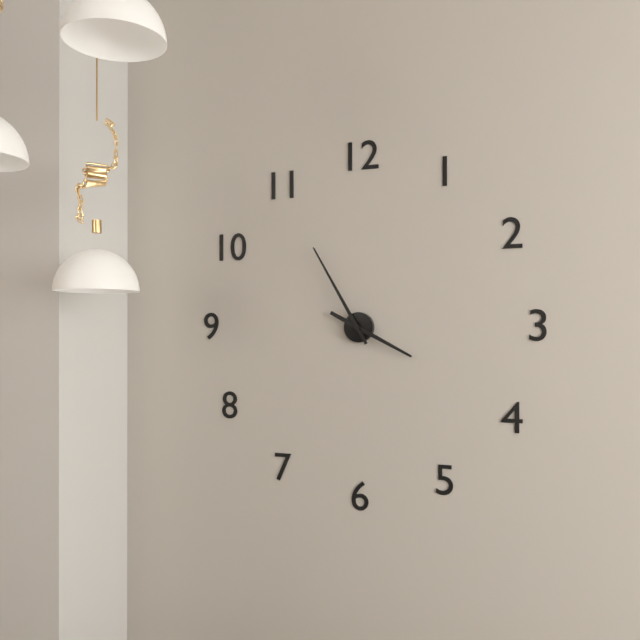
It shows 3:55
